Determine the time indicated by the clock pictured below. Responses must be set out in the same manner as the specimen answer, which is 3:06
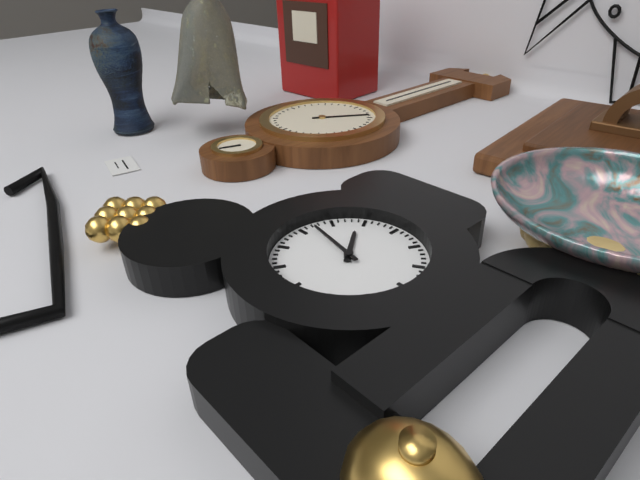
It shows 10:47
